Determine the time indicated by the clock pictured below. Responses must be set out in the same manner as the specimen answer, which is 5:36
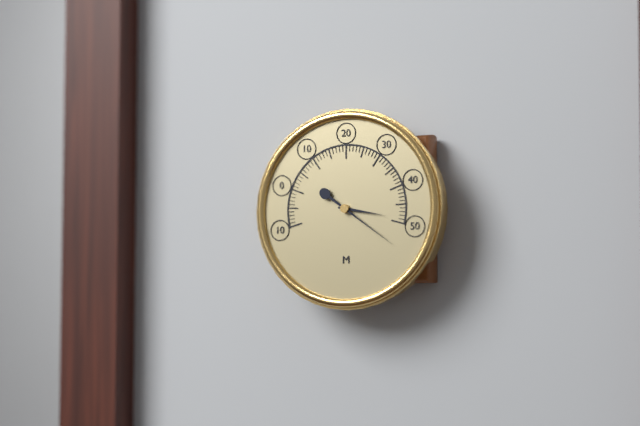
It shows 3:21
